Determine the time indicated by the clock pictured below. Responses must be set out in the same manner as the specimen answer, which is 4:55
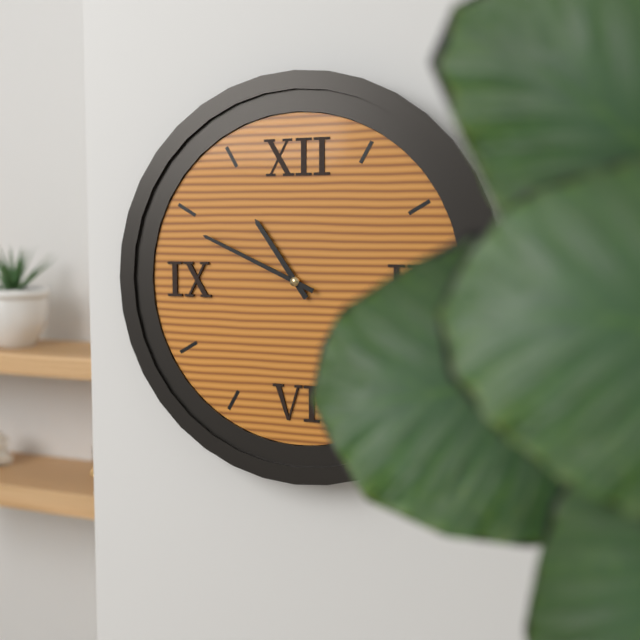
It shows 10:49
